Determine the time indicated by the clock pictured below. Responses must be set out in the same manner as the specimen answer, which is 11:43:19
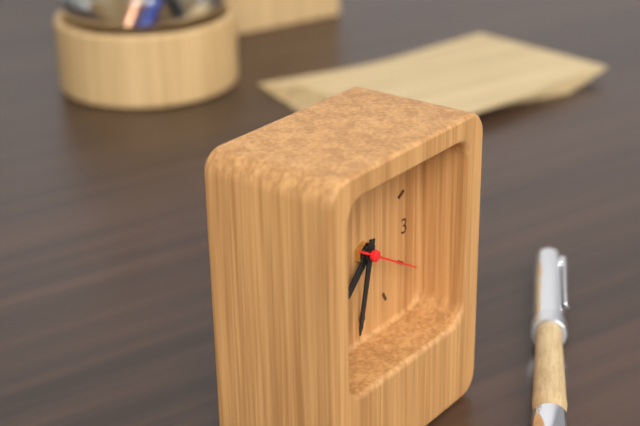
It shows 7:32:20
